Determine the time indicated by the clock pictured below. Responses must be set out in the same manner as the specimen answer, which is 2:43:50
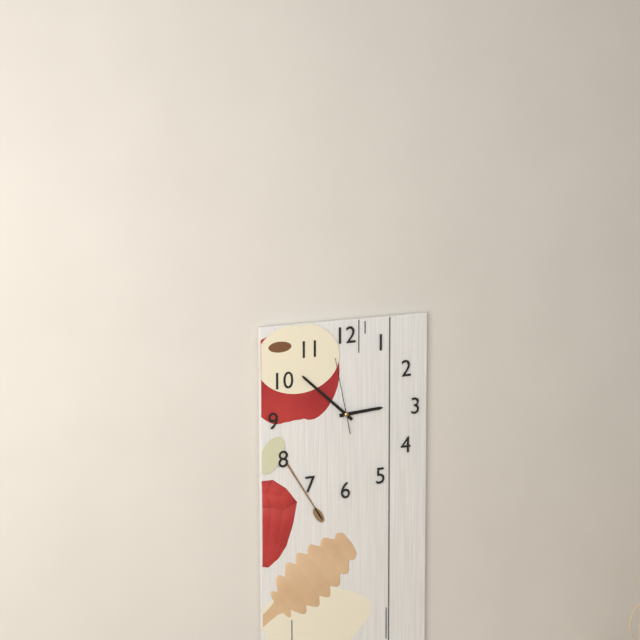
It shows 2:52:58
